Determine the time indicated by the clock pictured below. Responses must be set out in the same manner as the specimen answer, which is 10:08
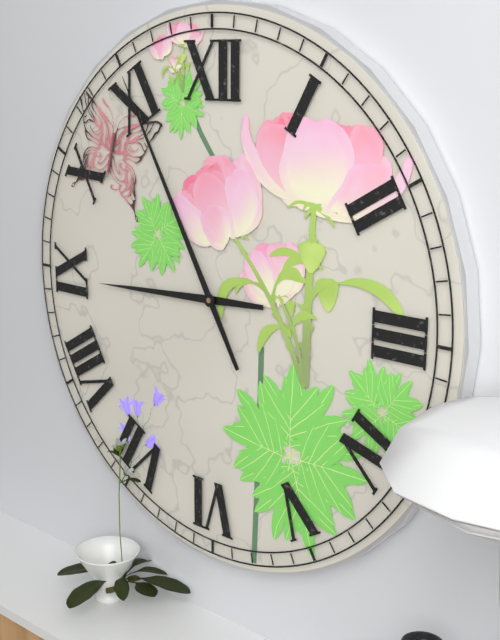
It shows 8:55
